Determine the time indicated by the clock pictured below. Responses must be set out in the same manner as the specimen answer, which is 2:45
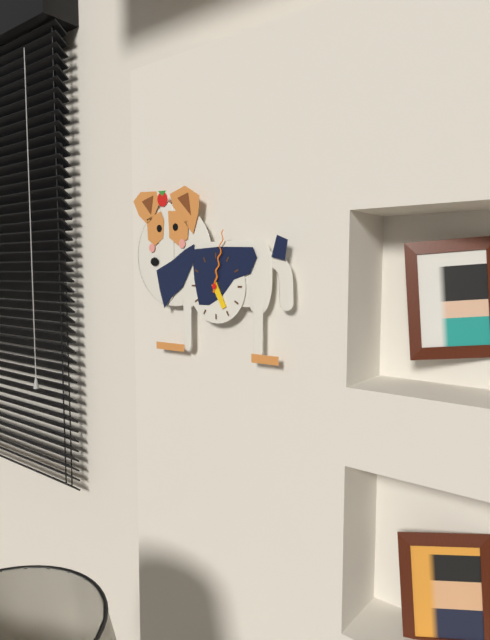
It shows 5:02
